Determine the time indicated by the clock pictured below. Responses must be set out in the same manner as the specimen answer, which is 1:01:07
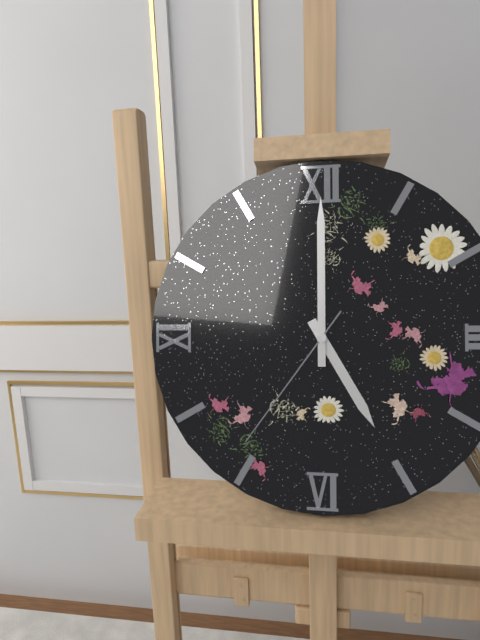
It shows 5:00:36
